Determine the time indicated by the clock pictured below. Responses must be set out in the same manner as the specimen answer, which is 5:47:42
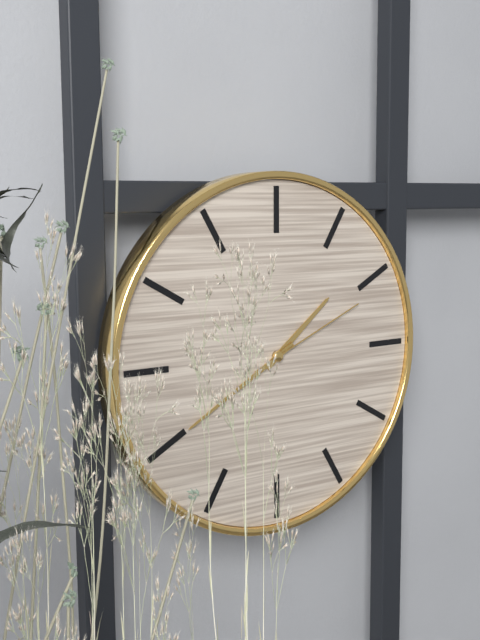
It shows 1:40:11
